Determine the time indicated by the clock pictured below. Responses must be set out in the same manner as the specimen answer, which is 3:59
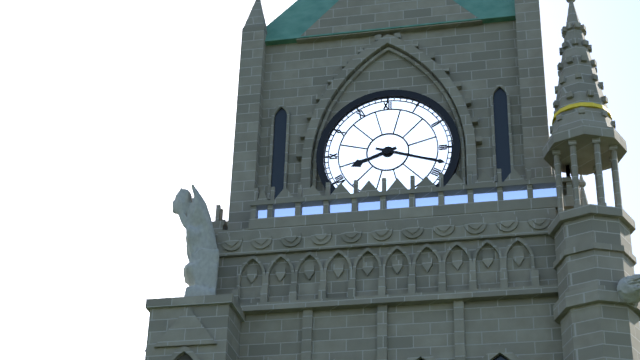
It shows 8:18
